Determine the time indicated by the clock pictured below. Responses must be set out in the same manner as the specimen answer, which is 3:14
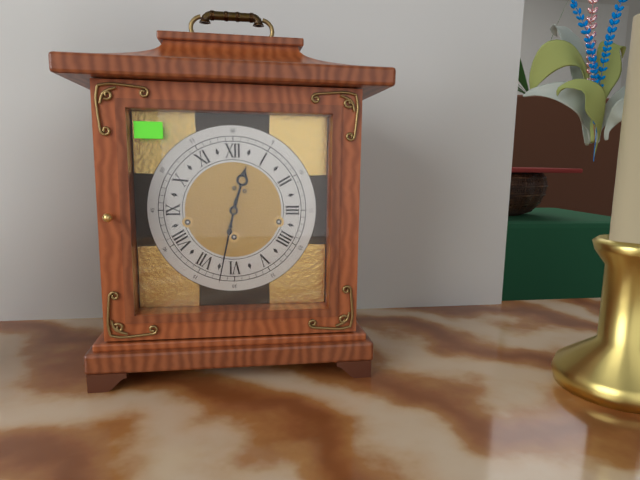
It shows 12:32
